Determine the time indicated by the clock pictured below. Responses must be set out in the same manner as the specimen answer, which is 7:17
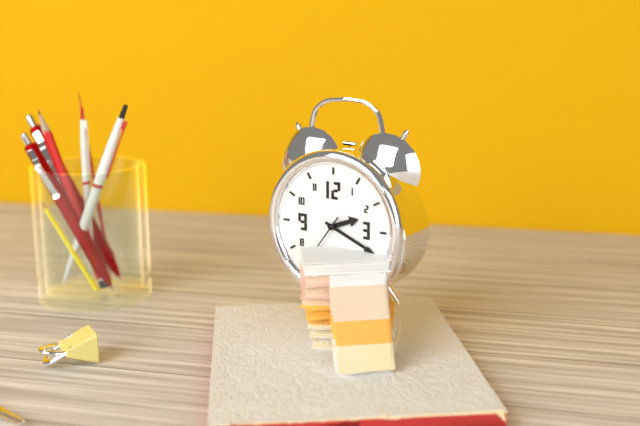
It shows 2:19
